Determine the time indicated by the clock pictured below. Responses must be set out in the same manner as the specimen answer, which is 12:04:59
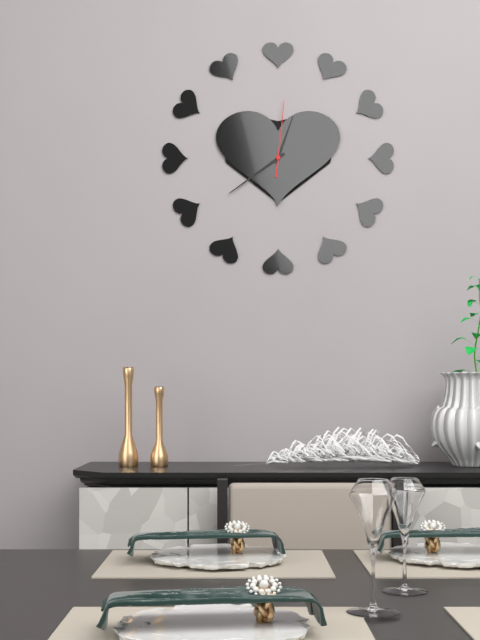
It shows 12:39:01
